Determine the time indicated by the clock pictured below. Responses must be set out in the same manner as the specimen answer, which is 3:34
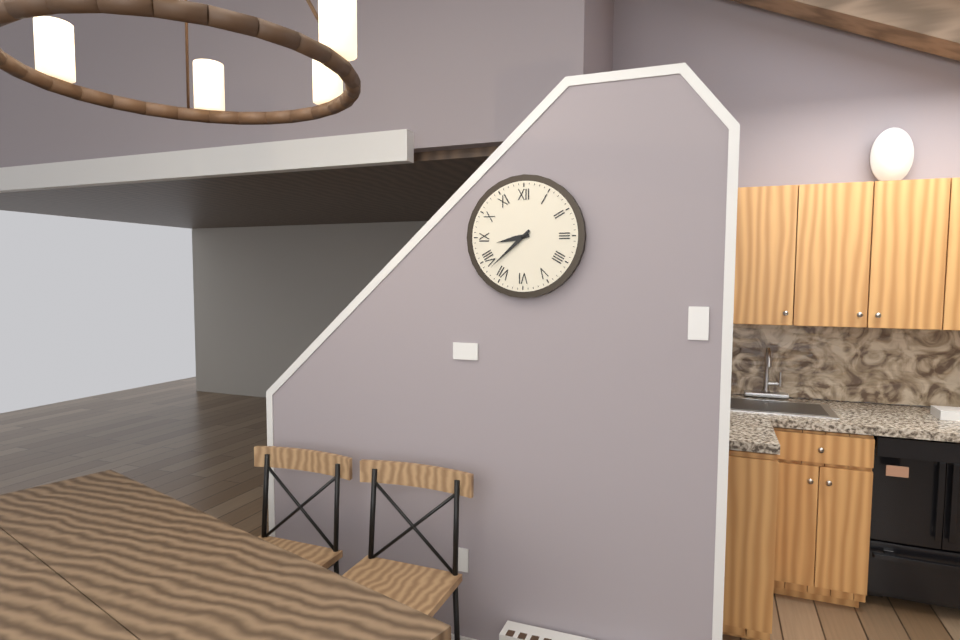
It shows 8:38
